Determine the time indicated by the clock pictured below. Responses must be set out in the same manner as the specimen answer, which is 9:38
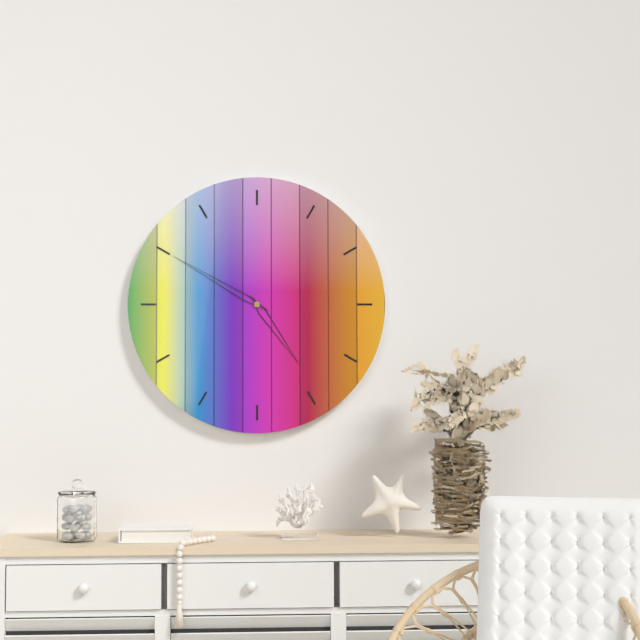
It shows 4:50
